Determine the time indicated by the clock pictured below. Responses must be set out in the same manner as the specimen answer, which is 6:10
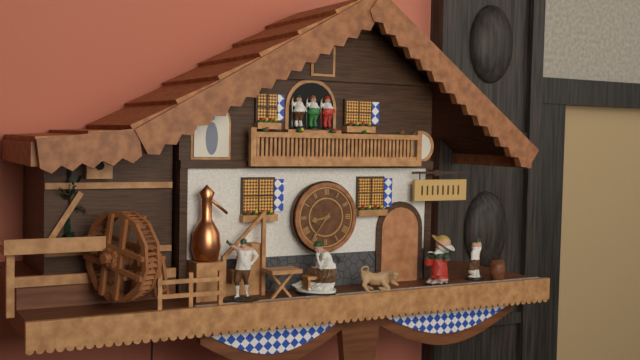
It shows 8:36
